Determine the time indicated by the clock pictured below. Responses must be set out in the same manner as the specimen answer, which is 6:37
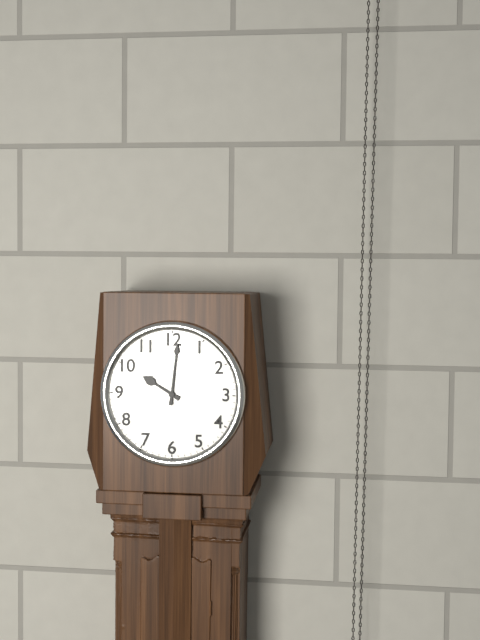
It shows 10:01
